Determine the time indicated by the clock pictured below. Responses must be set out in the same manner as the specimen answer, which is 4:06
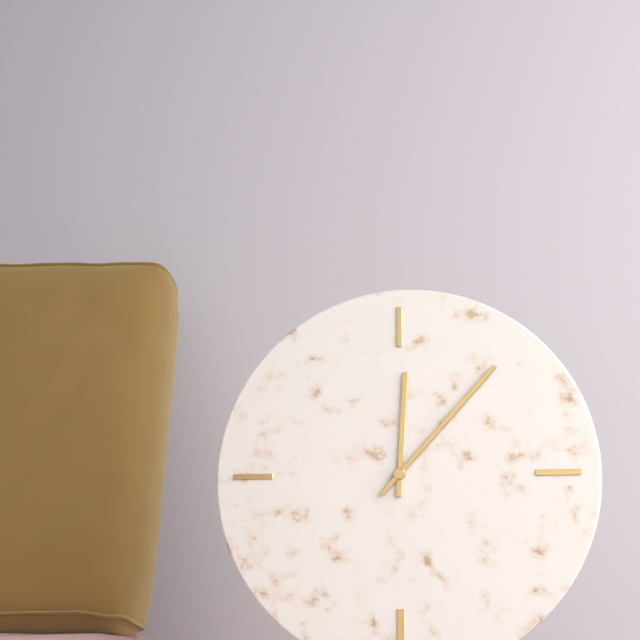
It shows 12:07
